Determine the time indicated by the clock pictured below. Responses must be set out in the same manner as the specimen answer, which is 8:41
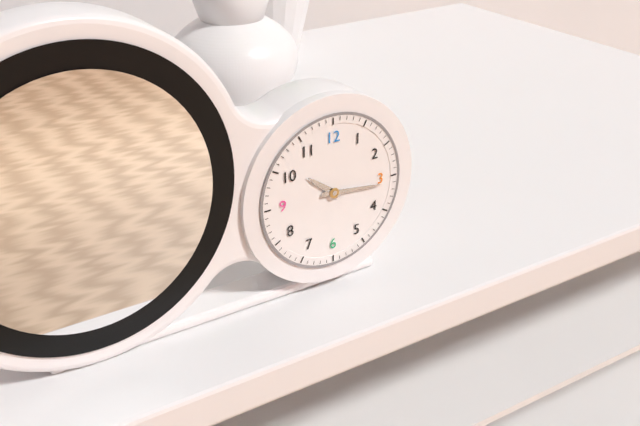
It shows 10:16
